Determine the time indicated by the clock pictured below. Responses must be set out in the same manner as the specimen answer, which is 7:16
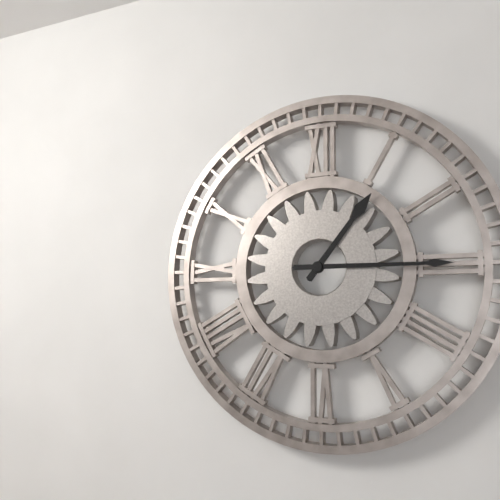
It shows 1:15
